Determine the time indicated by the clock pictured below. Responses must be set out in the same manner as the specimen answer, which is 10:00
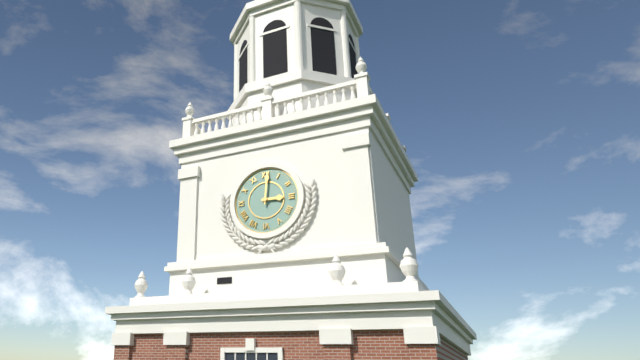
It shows 3:01
